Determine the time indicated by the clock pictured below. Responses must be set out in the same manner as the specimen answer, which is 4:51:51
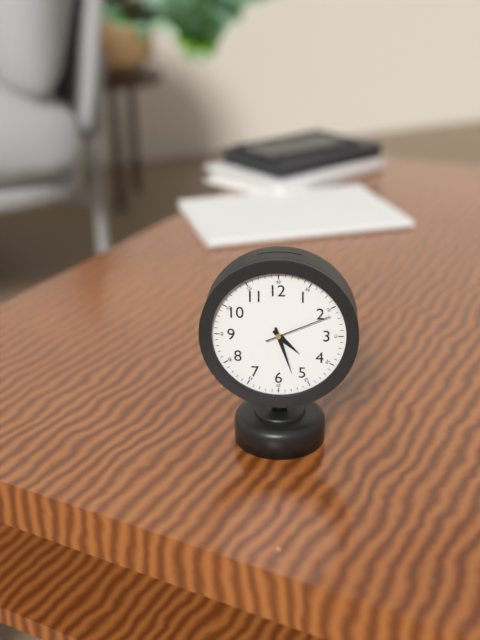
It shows 4:27:11
